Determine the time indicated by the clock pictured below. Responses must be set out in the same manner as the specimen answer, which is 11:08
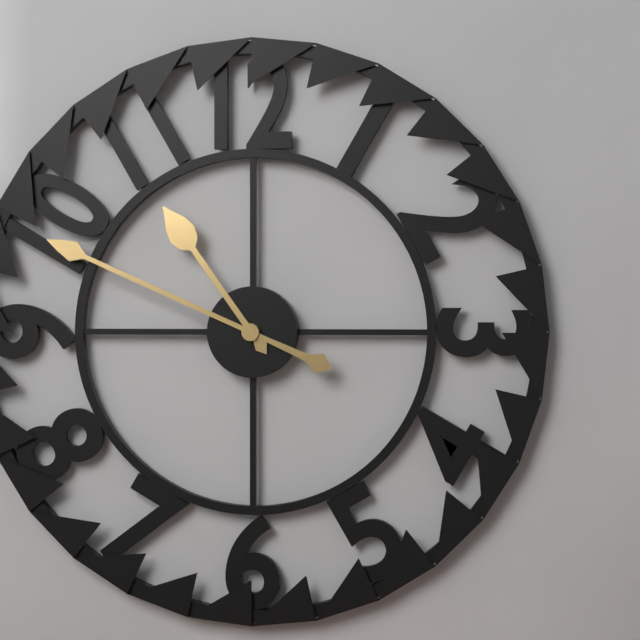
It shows 10:49
